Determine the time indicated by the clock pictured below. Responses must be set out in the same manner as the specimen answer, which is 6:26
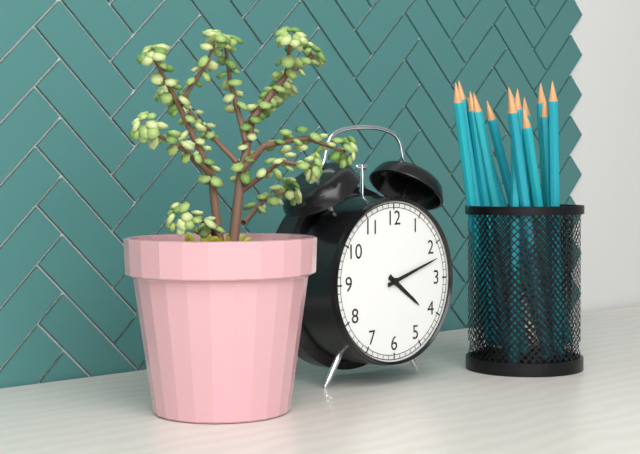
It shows 4:12
